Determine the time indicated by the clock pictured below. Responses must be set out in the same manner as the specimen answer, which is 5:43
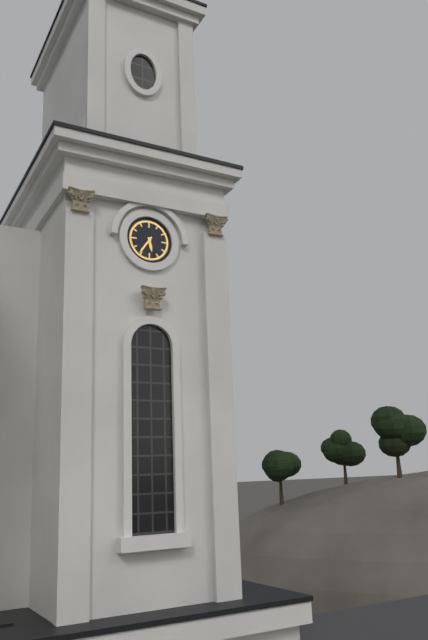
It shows 5:36
